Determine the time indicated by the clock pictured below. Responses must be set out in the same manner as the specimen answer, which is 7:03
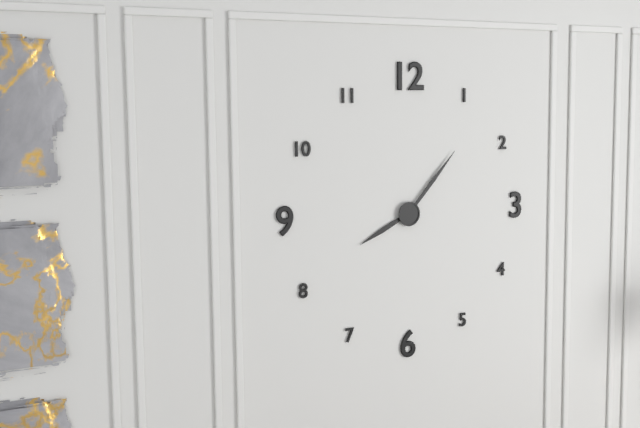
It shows 8:07
